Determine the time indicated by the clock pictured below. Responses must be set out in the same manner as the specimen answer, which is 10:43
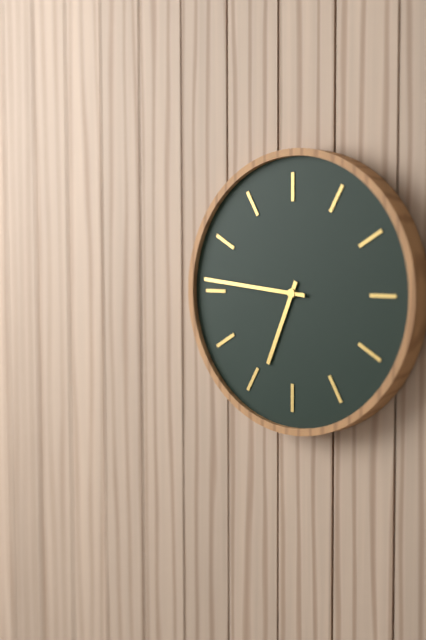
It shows 6:46
